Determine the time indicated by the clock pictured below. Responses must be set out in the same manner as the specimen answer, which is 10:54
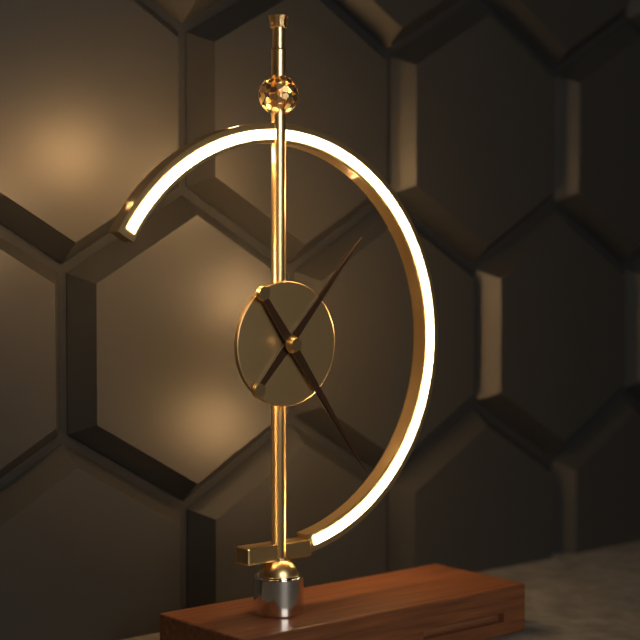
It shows 1:24
